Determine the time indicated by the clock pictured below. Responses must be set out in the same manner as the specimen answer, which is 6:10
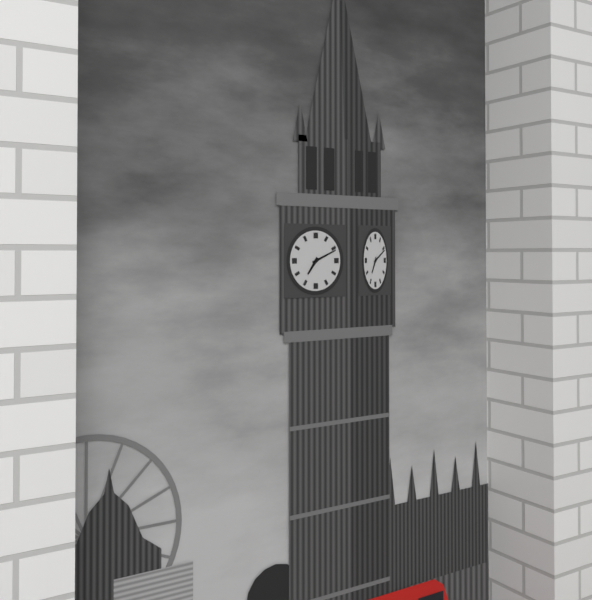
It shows 7:11
